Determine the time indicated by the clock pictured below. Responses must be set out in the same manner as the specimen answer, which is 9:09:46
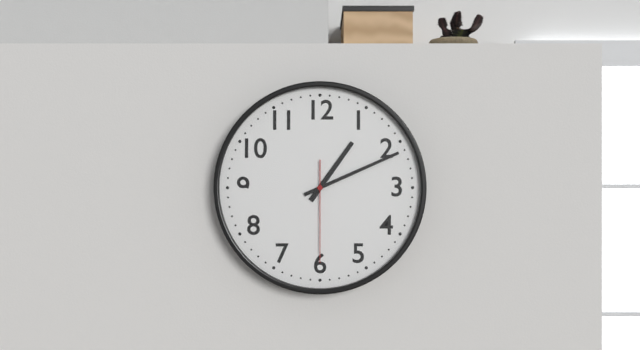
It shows 1:11:30
